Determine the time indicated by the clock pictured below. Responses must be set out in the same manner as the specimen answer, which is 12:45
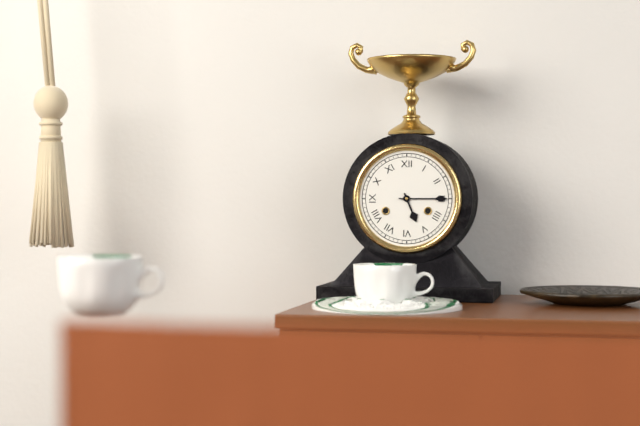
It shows 5:15
